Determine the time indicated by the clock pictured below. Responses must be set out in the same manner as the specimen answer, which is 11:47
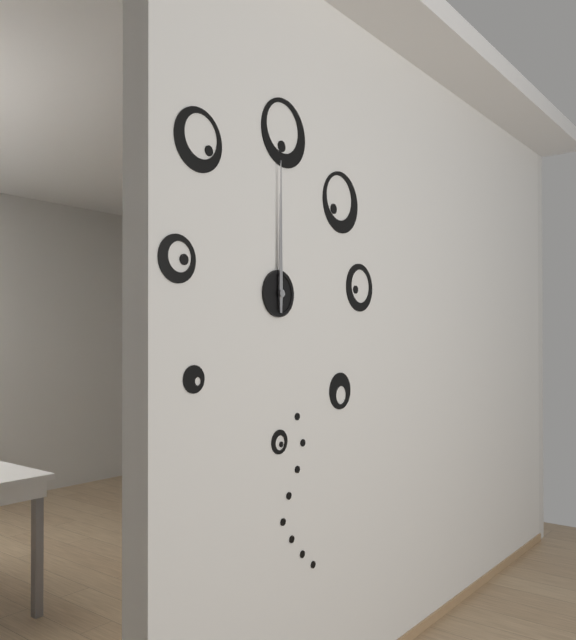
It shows 12:00
